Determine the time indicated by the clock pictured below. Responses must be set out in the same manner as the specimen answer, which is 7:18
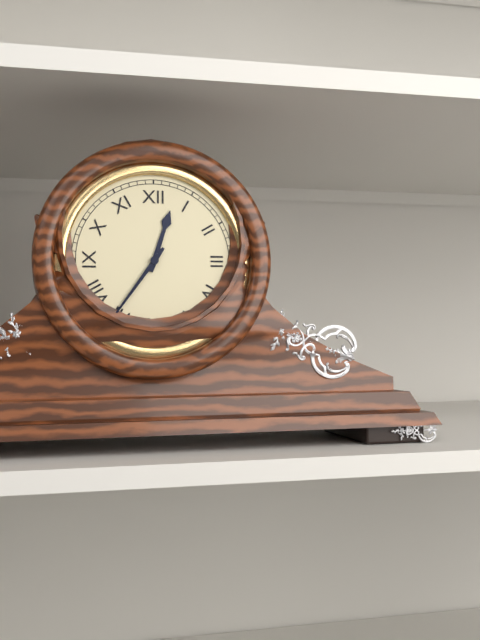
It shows 12:36
